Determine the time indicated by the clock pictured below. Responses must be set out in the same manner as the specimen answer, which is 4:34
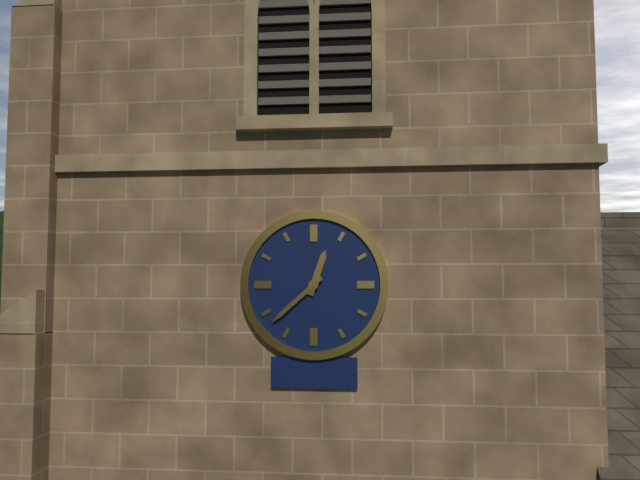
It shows 12:38
